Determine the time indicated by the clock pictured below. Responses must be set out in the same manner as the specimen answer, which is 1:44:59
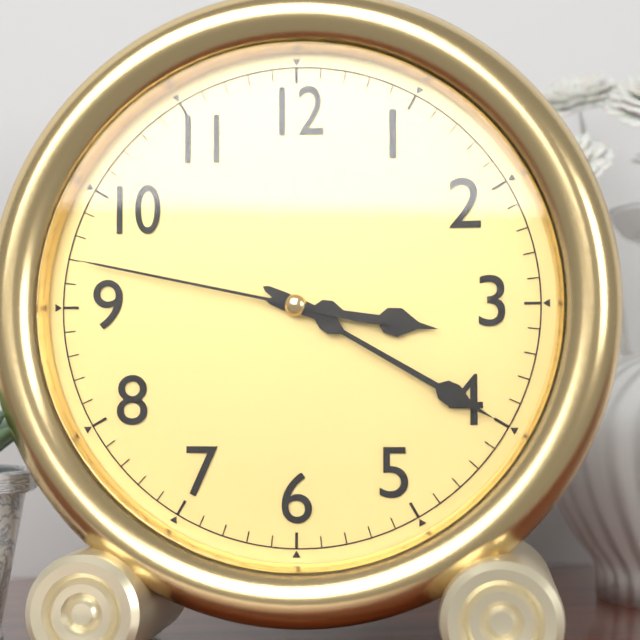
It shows 3:20:47
